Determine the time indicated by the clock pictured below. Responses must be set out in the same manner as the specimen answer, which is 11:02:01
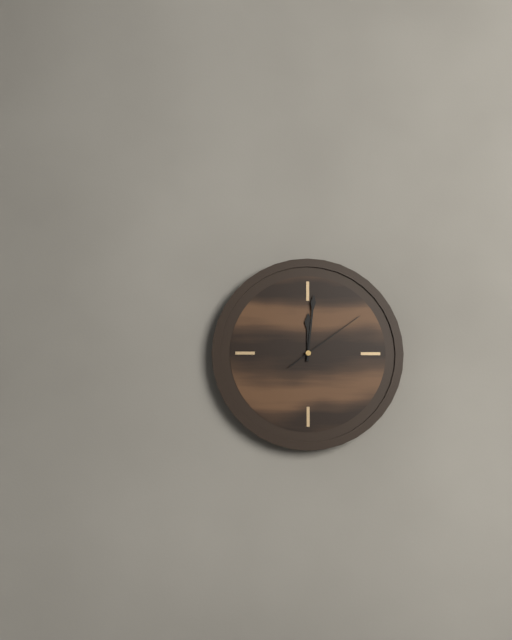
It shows 12:01:09
